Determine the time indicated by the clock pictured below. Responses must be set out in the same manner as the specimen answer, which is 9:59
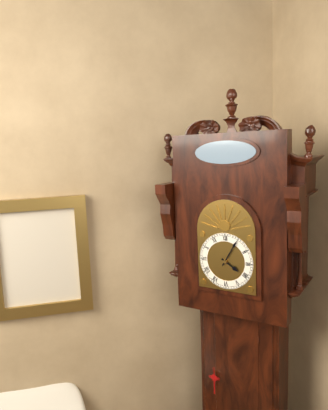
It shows 4:05
